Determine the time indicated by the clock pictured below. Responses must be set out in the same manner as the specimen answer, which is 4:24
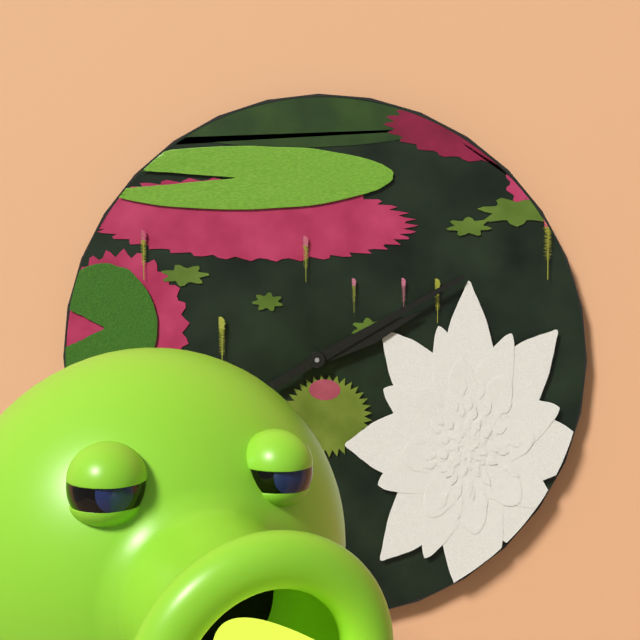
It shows 2:10
